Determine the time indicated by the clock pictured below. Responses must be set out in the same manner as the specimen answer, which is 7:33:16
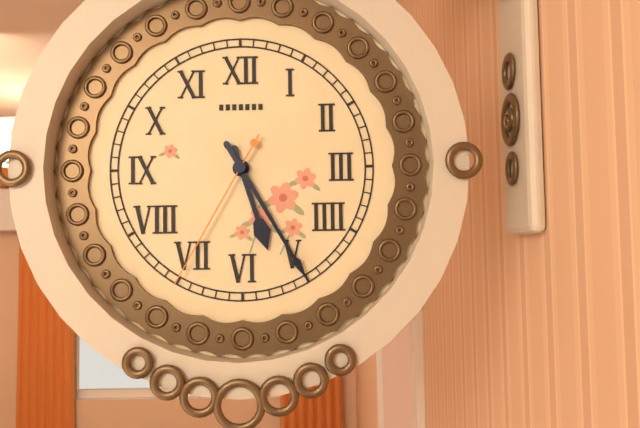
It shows 5:25:35
